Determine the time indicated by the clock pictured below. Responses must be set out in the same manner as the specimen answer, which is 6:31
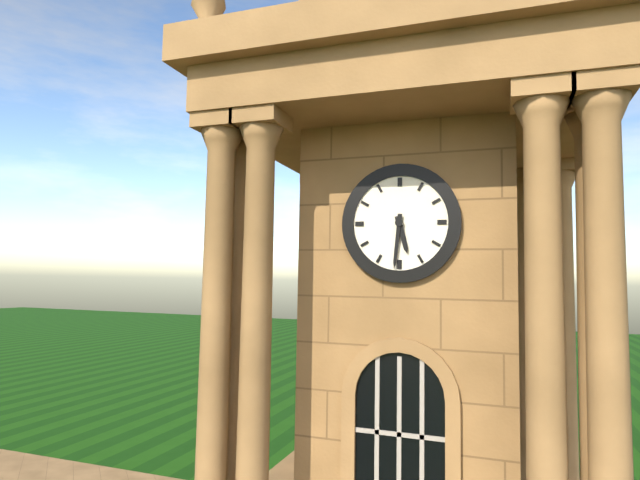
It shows 5:31
